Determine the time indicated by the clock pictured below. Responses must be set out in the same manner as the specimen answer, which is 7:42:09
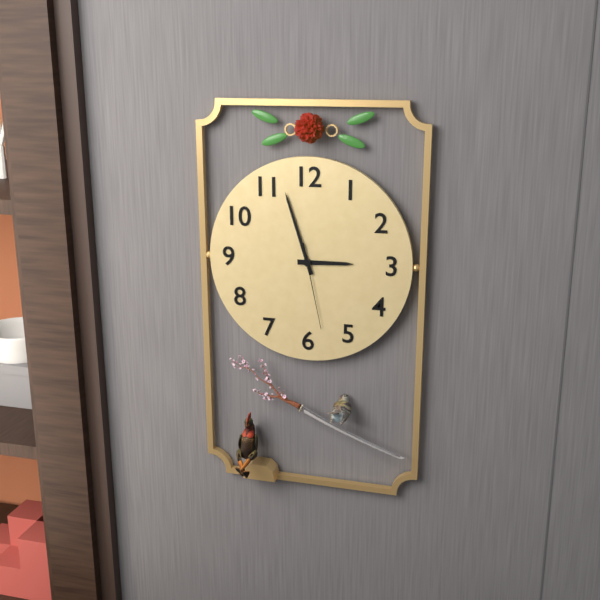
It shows 2:57:28
